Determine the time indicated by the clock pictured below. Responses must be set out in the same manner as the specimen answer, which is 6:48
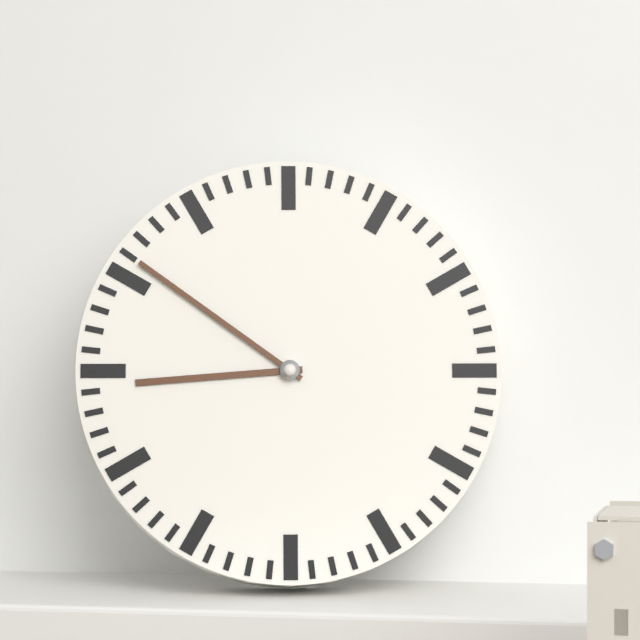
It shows 8:51
